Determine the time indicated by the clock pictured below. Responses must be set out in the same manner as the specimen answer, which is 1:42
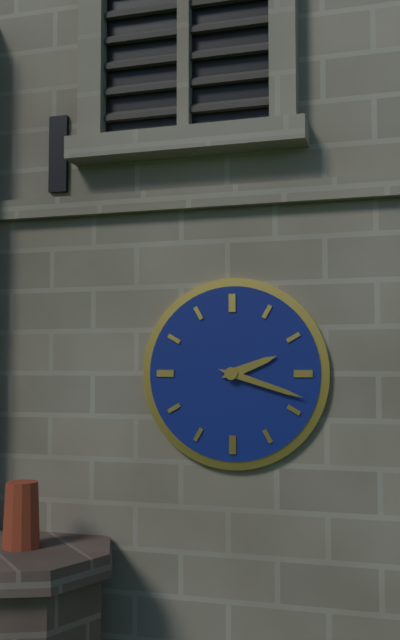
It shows 2:18
